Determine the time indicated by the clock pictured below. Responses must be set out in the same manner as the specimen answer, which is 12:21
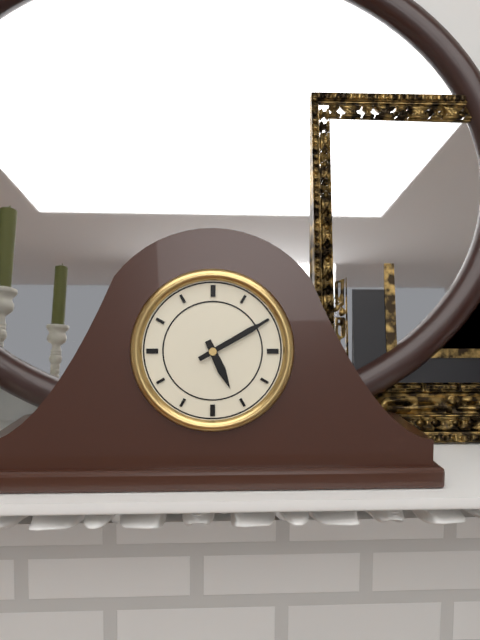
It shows 5:10
